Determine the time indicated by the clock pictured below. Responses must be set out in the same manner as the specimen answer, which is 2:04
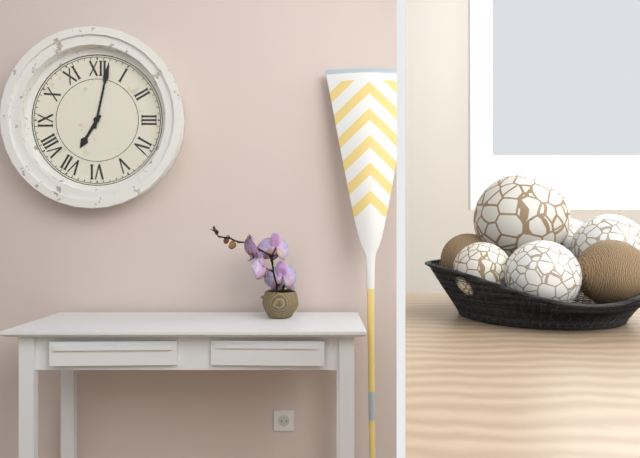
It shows 7:02
